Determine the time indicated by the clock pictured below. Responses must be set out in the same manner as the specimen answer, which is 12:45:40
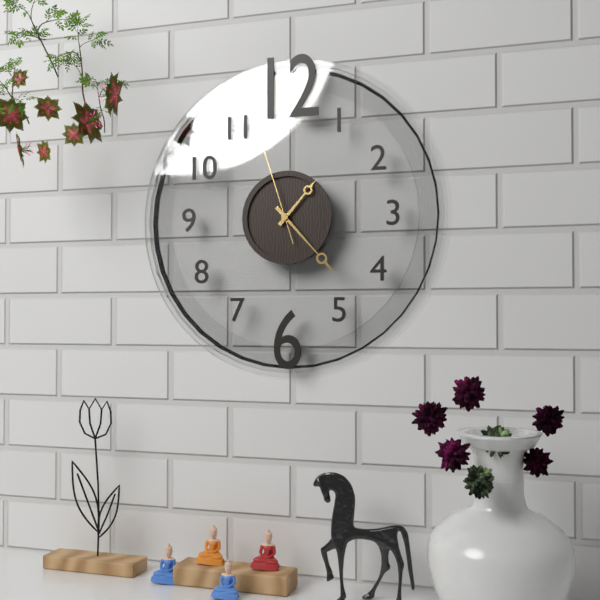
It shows 1:23:57
